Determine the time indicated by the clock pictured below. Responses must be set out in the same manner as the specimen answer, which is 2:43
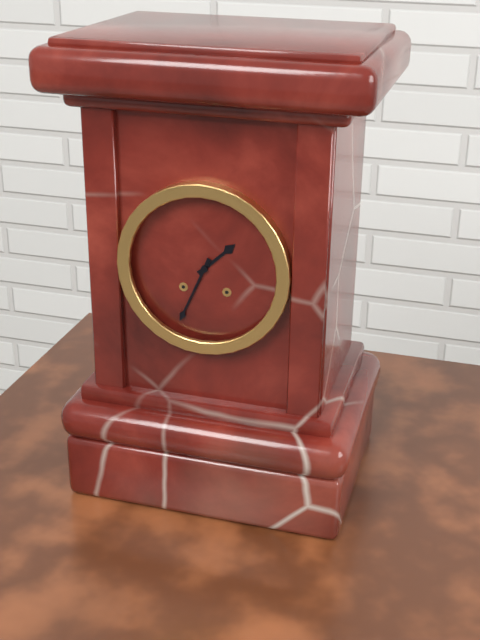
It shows 1:34
